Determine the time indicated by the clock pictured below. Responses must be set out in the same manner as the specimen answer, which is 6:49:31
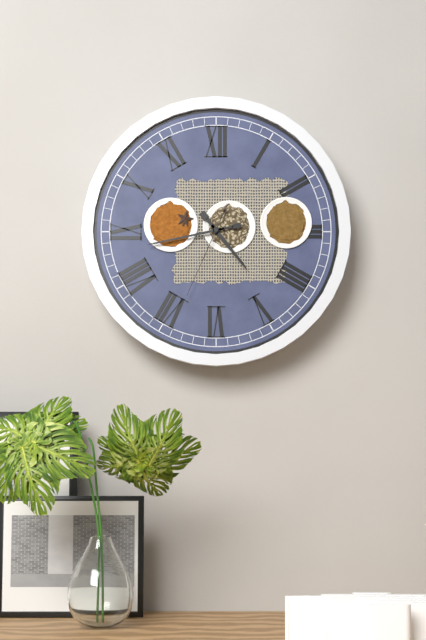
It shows 4:43:34
